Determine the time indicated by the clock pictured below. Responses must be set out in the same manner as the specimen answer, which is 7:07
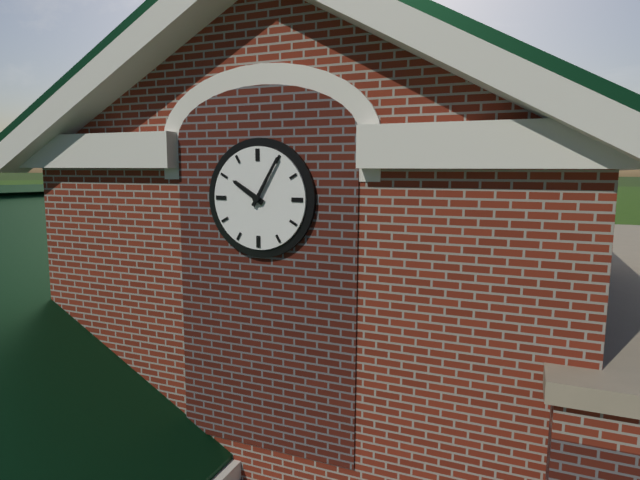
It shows 10:05
